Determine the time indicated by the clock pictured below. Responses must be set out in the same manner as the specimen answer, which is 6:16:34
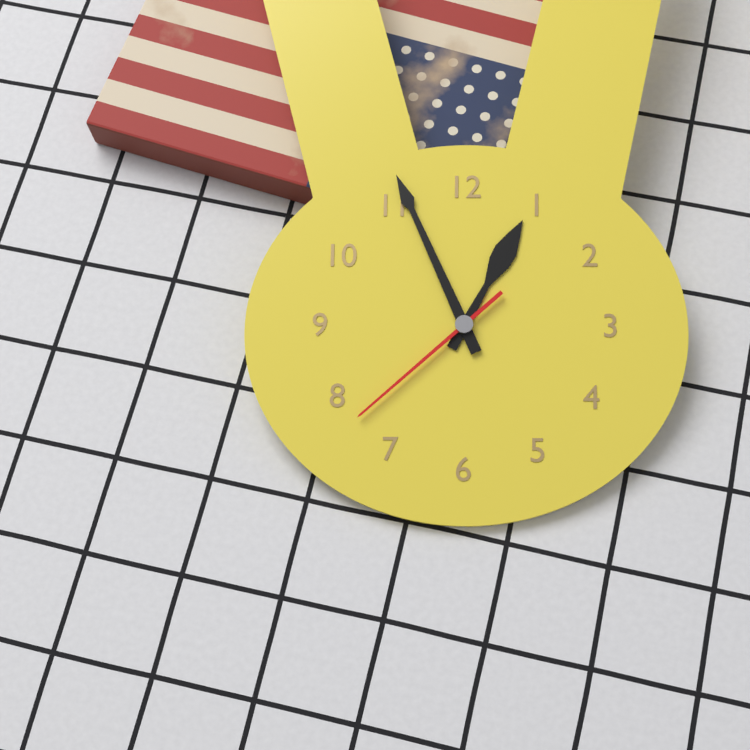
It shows 12:56:38
